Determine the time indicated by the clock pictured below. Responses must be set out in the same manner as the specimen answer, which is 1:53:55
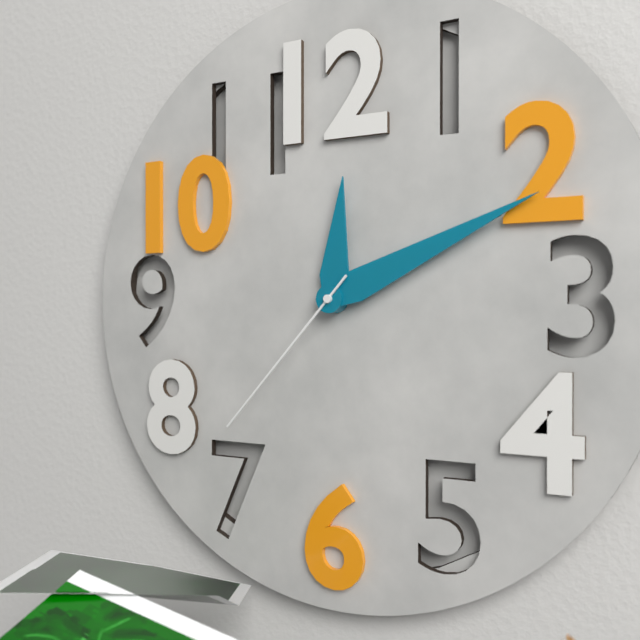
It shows 12:11:37
